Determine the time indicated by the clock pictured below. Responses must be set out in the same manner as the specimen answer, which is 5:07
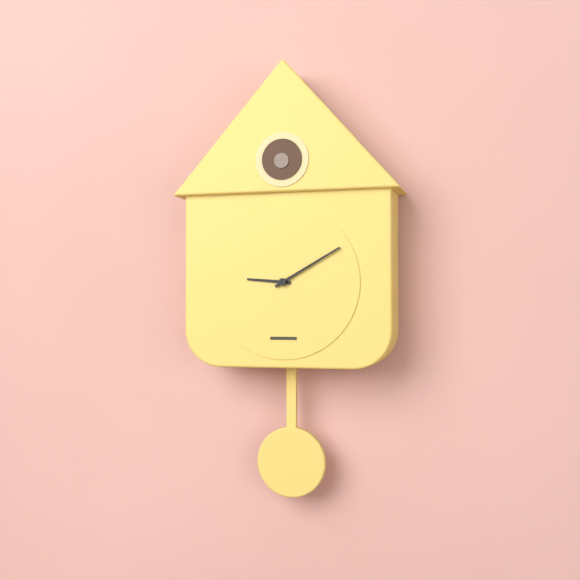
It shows 9:10
